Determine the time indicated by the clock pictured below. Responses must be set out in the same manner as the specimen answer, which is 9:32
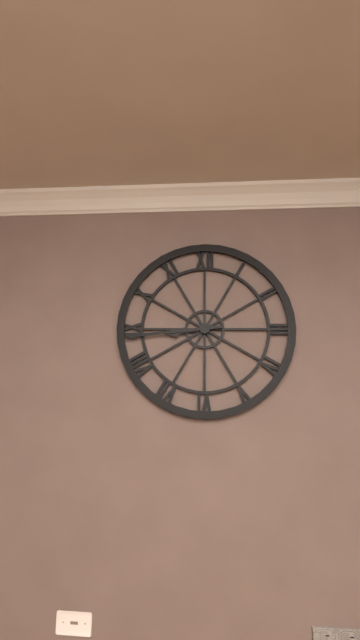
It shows 8:44
